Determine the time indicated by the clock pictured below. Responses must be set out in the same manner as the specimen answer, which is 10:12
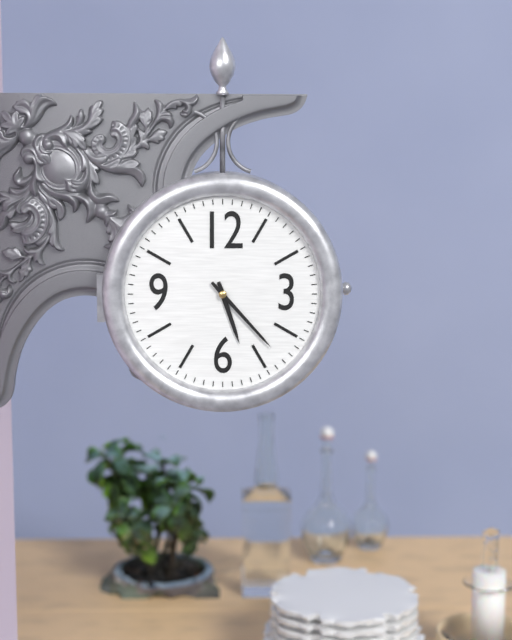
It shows 5:23
